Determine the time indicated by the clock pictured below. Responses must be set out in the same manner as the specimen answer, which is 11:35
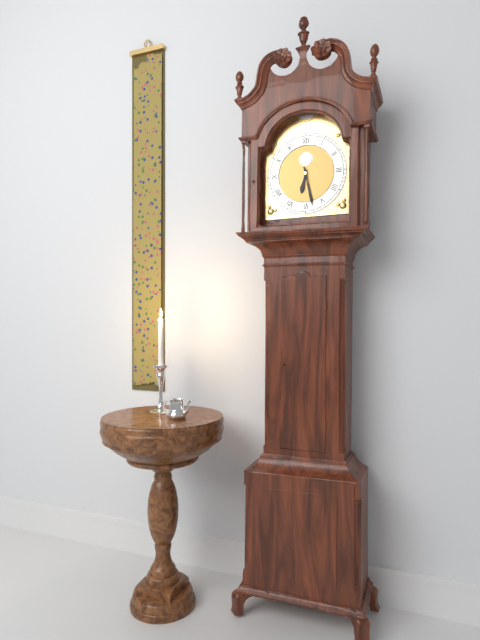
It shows 6:28
